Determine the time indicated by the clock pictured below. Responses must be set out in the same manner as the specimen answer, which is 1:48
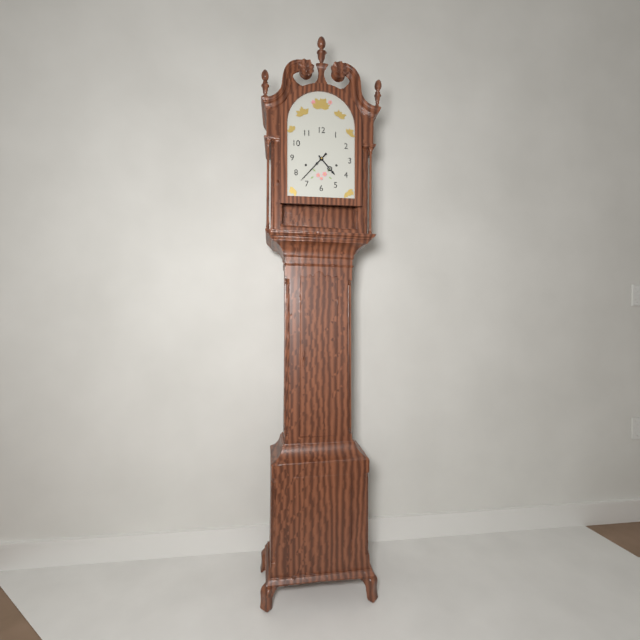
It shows 4:37
